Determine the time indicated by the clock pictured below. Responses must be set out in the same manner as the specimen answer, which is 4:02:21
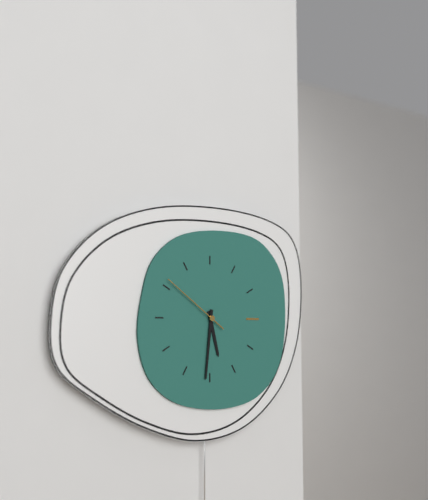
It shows 5:31:51
